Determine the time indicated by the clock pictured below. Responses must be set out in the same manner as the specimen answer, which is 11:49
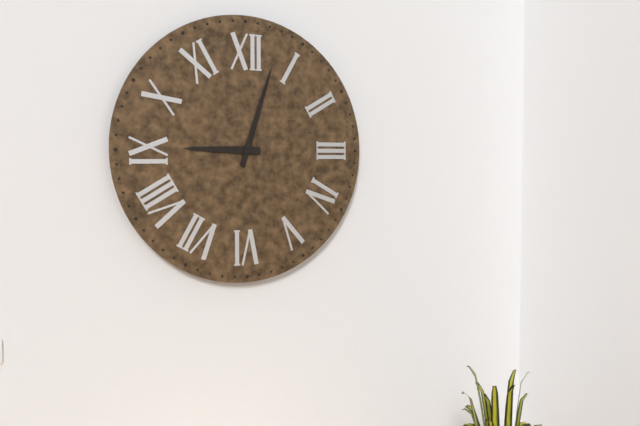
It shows 9:03
